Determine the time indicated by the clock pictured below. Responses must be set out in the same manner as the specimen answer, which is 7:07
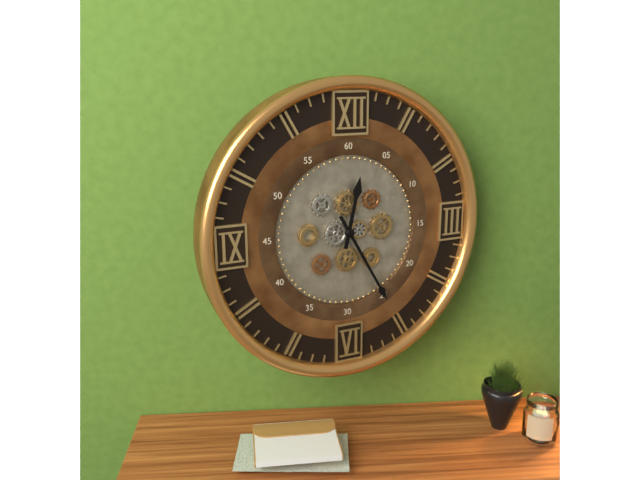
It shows 12:25
